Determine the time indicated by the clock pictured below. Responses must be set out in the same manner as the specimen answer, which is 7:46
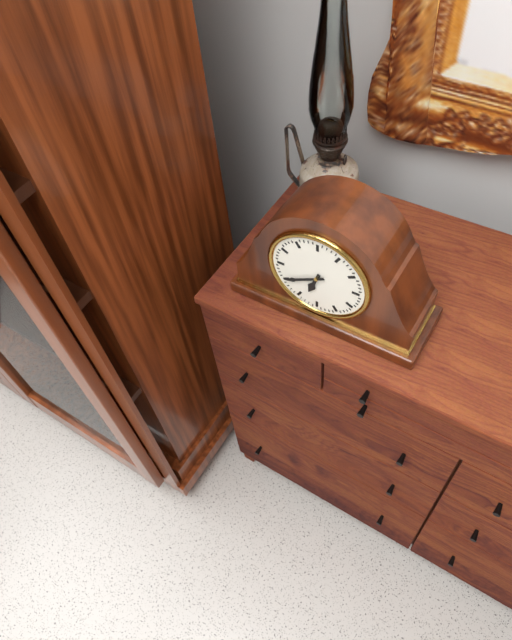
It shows 6:40
